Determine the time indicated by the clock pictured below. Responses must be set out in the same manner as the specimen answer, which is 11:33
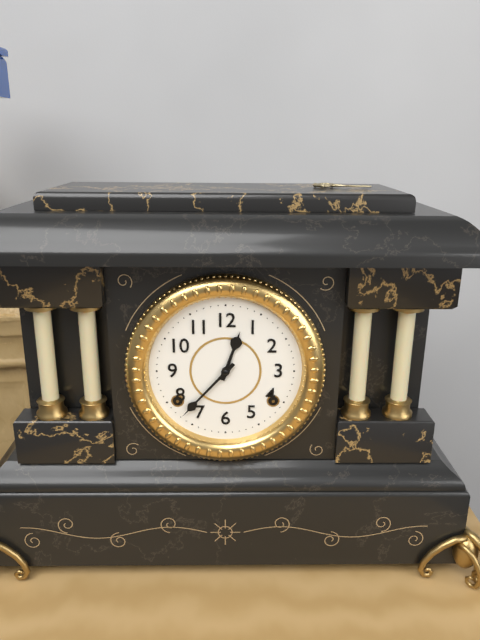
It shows 12:37
